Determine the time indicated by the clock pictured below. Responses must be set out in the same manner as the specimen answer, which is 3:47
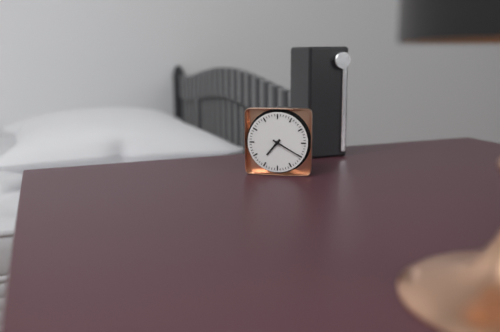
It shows 7:20
